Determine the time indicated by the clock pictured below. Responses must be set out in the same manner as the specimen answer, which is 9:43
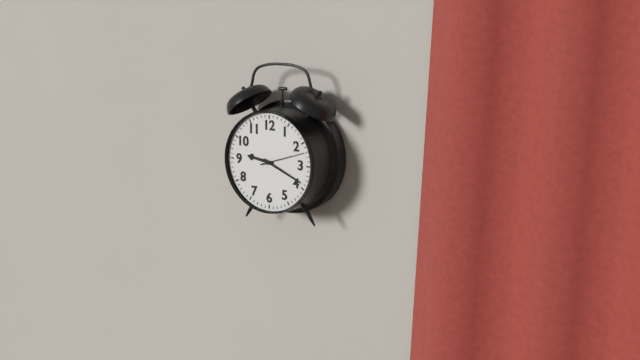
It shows 9:19
